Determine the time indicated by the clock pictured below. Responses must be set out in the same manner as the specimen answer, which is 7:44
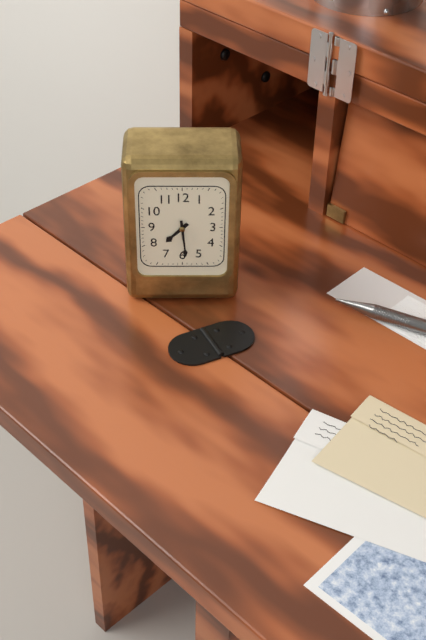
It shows 7:29
